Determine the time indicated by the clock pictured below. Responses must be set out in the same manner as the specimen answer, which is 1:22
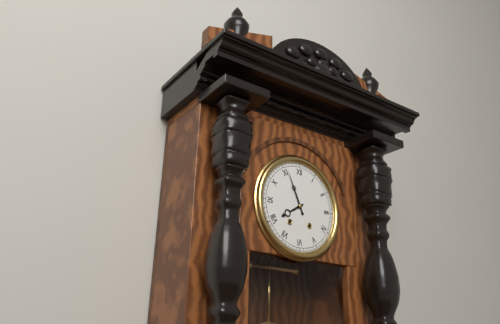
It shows 7:56
